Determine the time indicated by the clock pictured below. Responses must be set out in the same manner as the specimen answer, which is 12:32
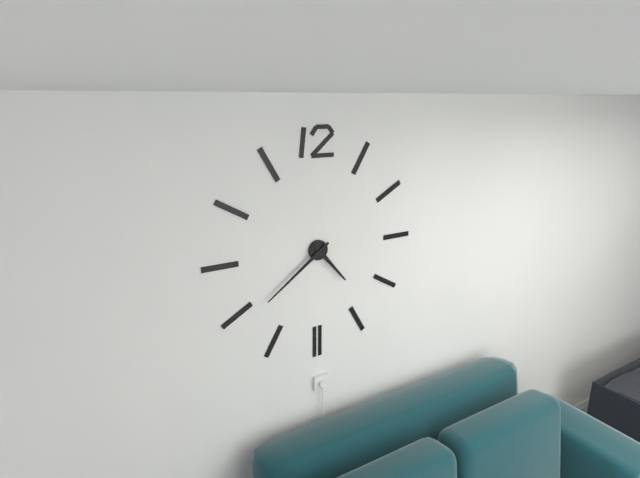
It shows 4:39
